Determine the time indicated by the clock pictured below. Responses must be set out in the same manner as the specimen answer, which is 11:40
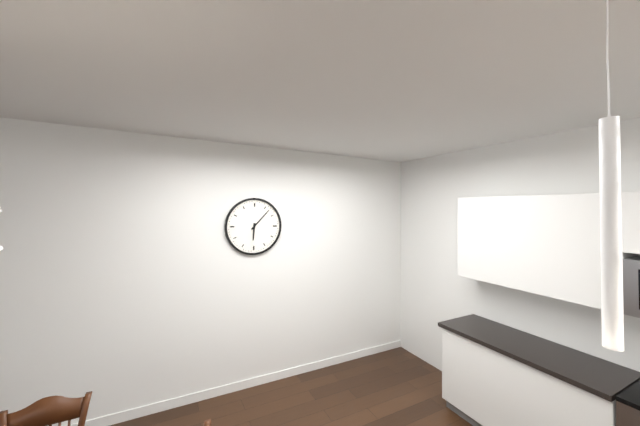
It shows 6:07
